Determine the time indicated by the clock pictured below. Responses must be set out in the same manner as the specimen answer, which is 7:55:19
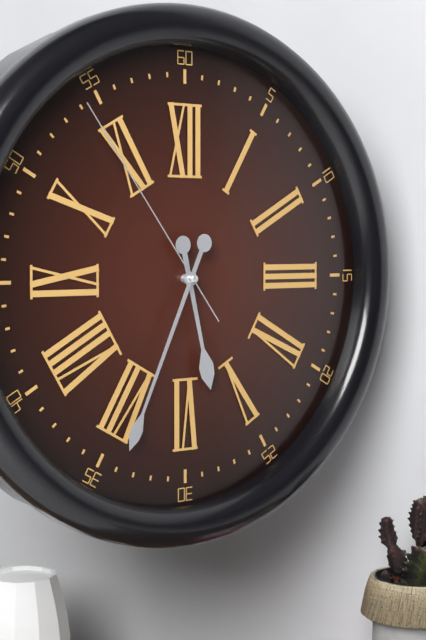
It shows 5:34:54
